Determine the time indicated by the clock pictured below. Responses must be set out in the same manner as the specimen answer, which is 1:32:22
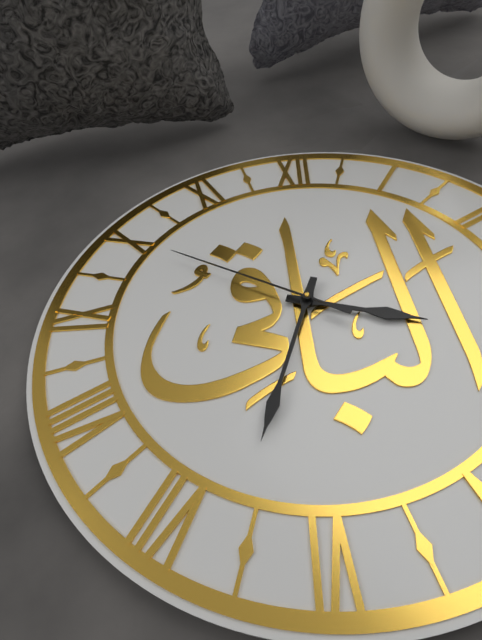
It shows 3:33:50
